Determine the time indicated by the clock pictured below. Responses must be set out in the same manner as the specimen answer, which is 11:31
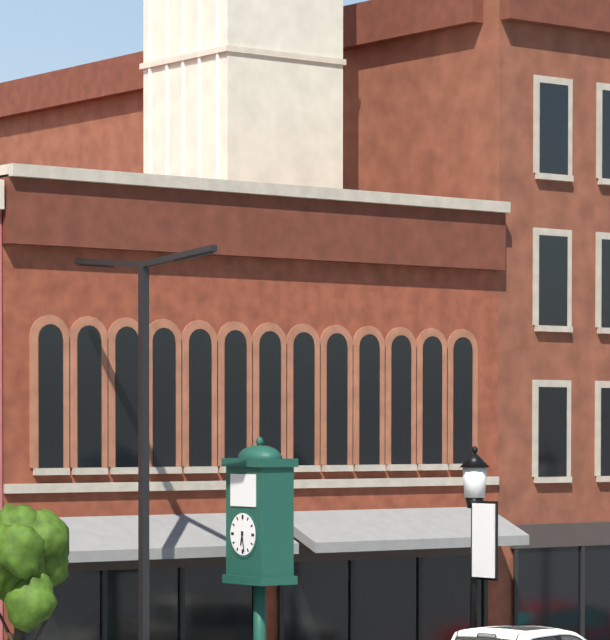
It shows 6:28
